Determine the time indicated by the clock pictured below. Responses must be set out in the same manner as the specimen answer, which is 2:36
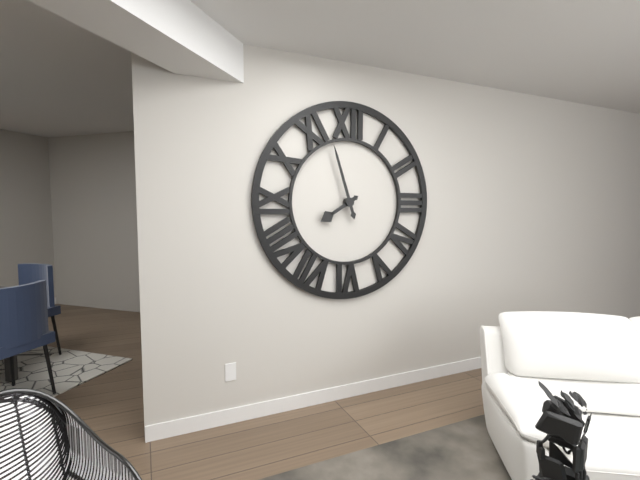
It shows 7:57
